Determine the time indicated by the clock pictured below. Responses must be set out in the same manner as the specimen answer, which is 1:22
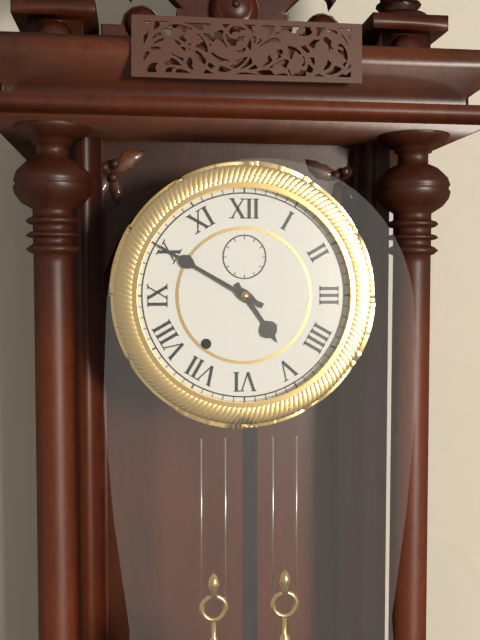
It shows 4:50
